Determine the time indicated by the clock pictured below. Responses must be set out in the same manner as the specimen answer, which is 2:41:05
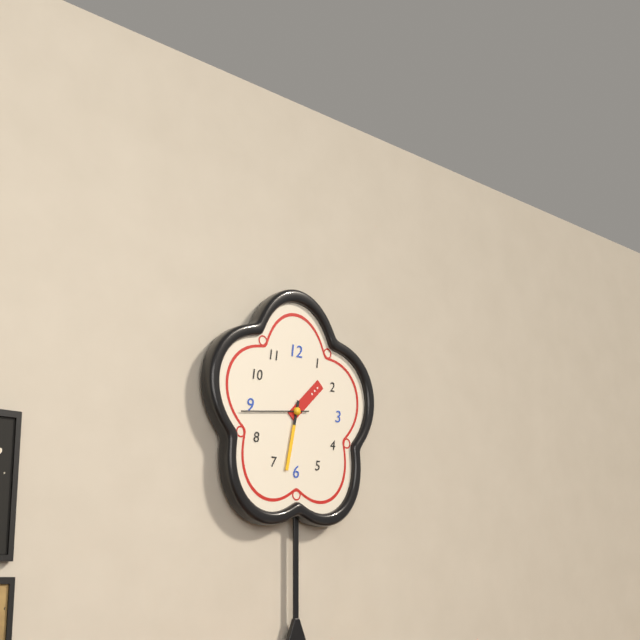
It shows 1:32:44
